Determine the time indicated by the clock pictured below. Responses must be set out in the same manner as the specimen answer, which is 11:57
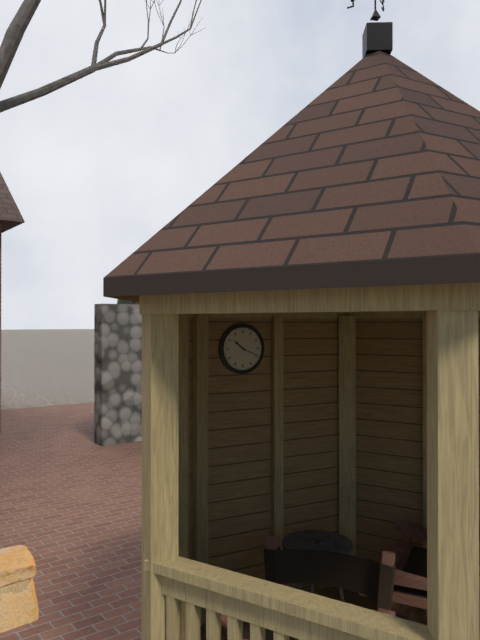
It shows 10:19
